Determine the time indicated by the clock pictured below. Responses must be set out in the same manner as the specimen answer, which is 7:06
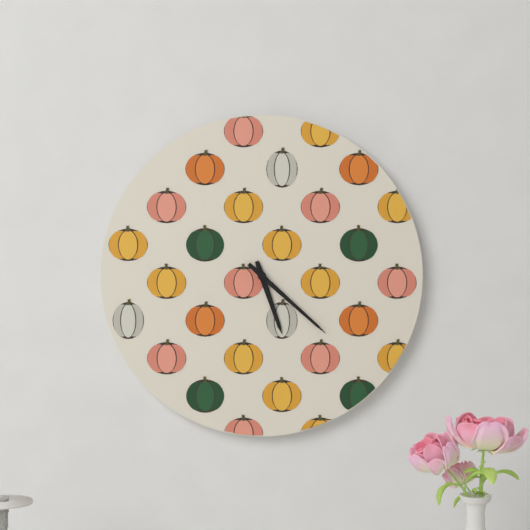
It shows 5:22
